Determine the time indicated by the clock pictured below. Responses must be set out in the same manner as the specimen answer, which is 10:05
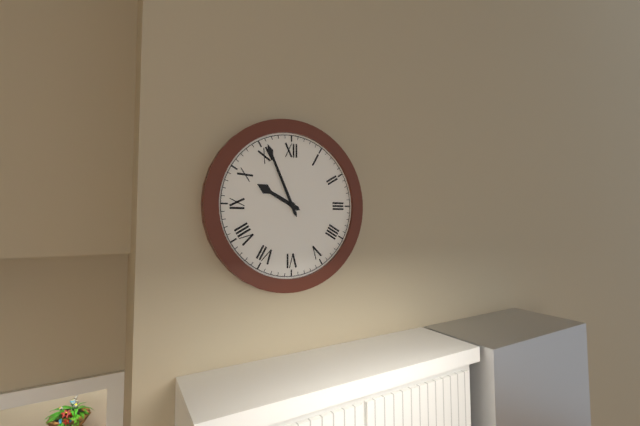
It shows 9:56
